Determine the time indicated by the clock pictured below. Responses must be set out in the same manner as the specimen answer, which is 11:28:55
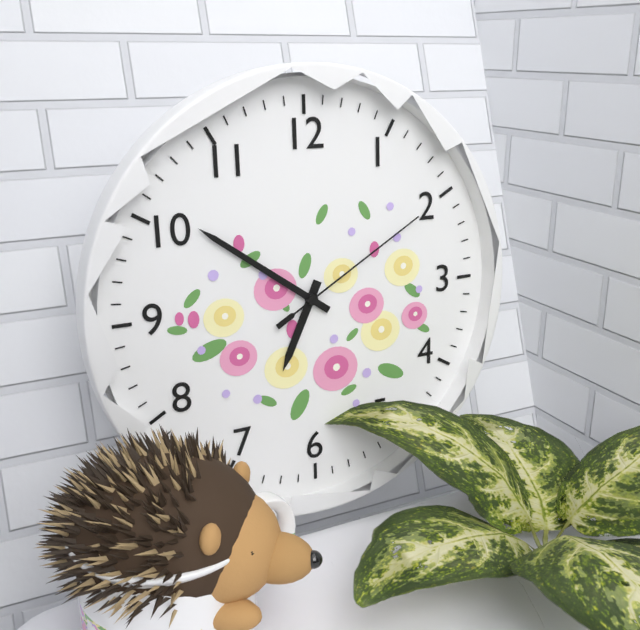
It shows 6:51:10
